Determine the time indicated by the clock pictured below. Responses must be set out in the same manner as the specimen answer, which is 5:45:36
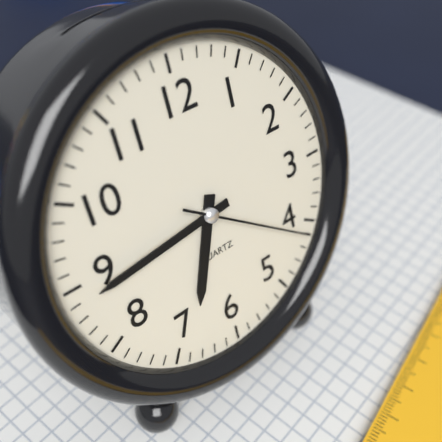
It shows 6:44:21
